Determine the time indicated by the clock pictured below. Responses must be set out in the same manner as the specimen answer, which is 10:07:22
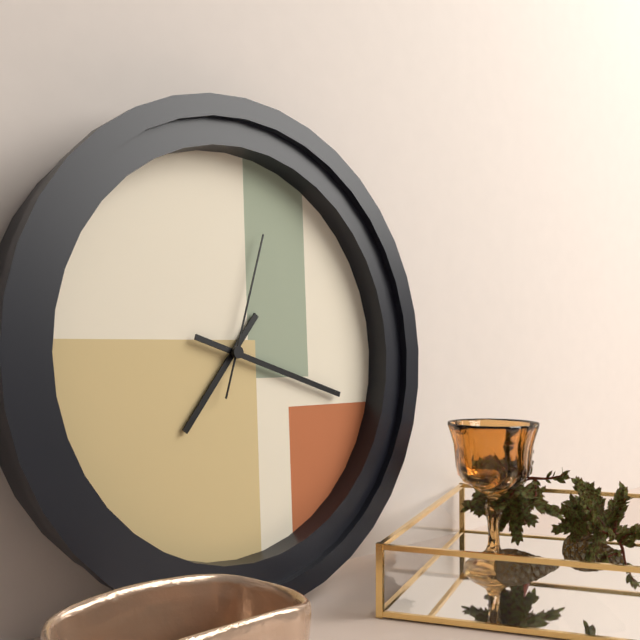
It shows 7:18:03
